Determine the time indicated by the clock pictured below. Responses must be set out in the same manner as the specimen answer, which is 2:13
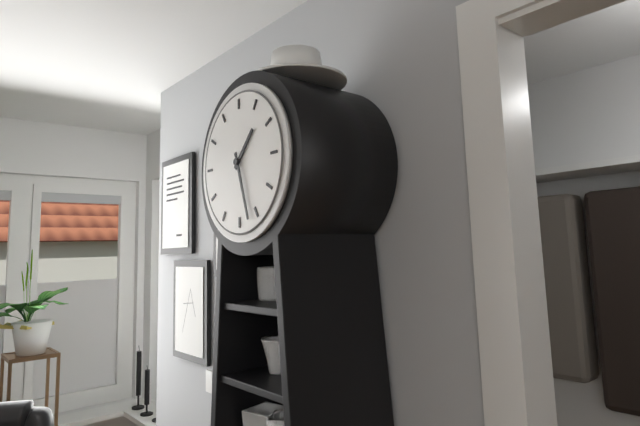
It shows 1:27
